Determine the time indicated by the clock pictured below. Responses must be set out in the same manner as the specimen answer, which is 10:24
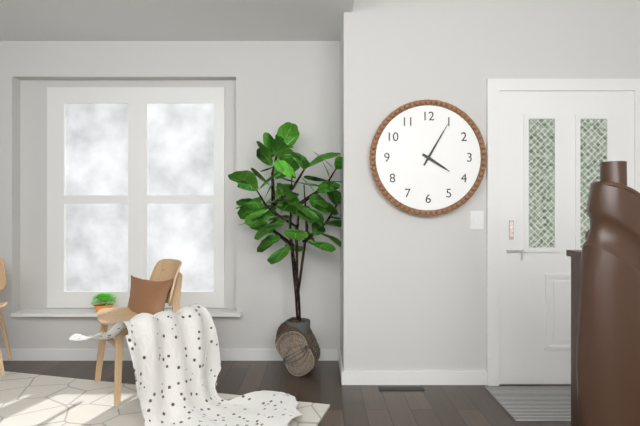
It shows 4:05
